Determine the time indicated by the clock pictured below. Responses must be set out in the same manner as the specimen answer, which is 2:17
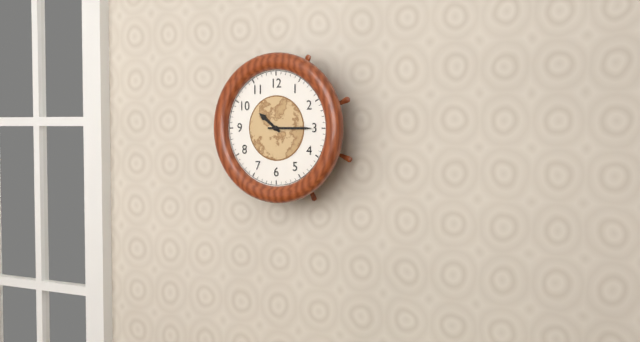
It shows 10:15
